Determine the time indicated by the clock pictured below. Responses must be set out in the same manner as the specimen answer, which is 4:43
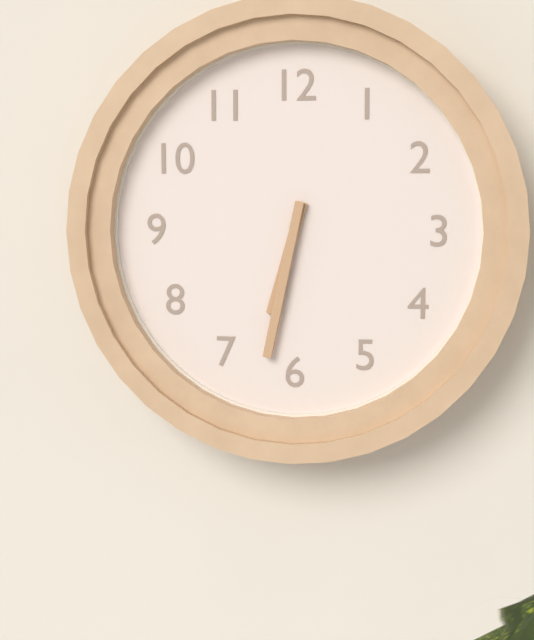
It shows 6:32
